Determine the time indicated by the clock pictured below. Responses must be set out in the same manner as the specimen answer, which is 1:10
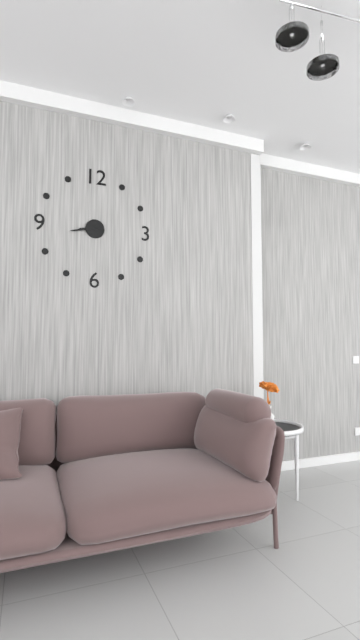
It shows 8:43
